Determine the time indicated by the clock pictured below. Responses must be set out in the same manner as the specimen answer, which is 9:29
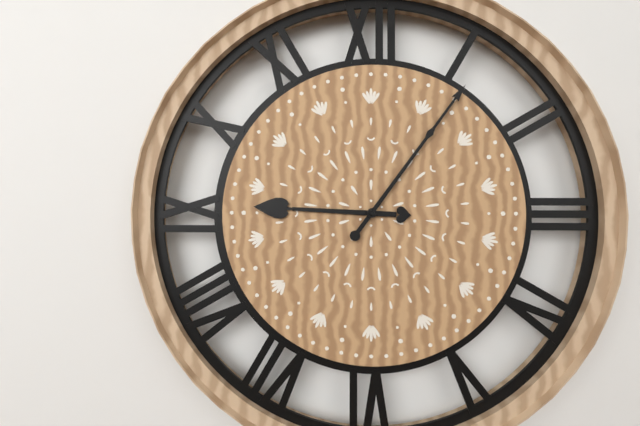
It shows 9:06
